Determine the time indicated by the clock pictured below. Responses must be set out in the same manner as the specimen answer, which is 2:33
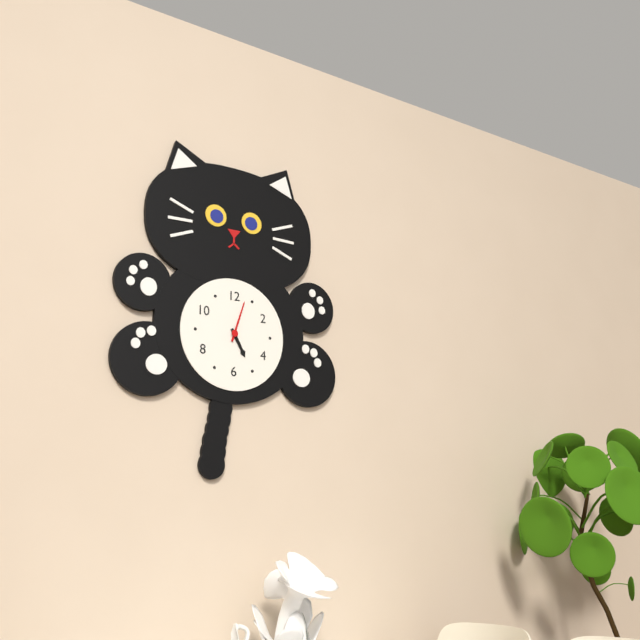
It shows 5:03
